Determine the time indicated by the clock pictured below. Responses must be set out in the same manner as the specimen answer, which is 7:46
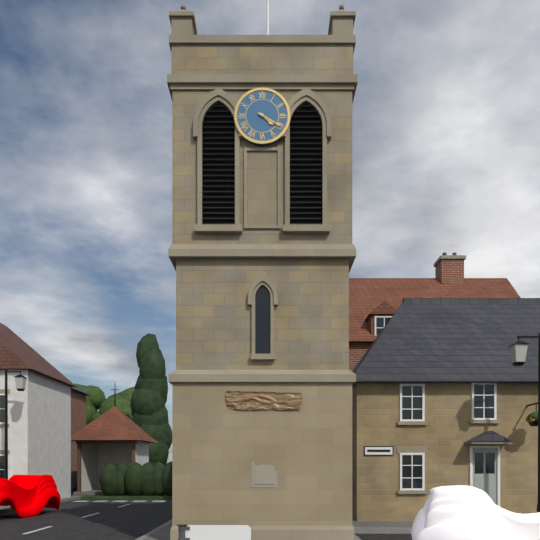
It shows 4:20
